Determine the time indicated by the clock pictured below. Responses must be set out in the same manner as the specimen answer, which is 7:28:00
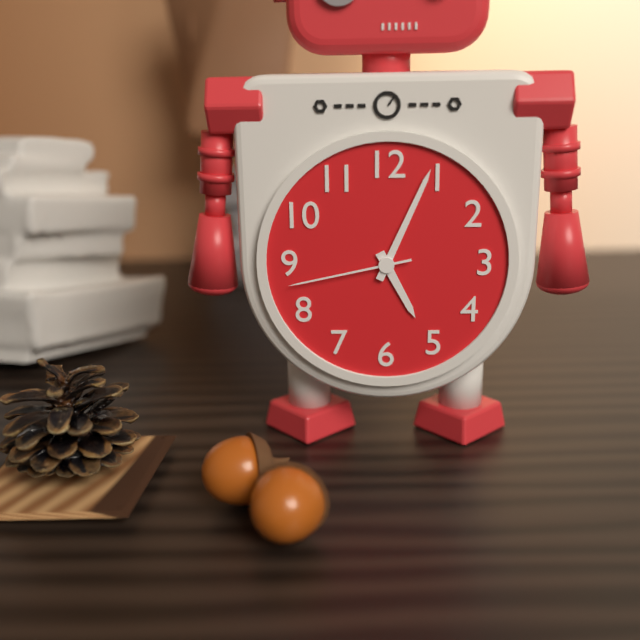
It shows 5:04:43
